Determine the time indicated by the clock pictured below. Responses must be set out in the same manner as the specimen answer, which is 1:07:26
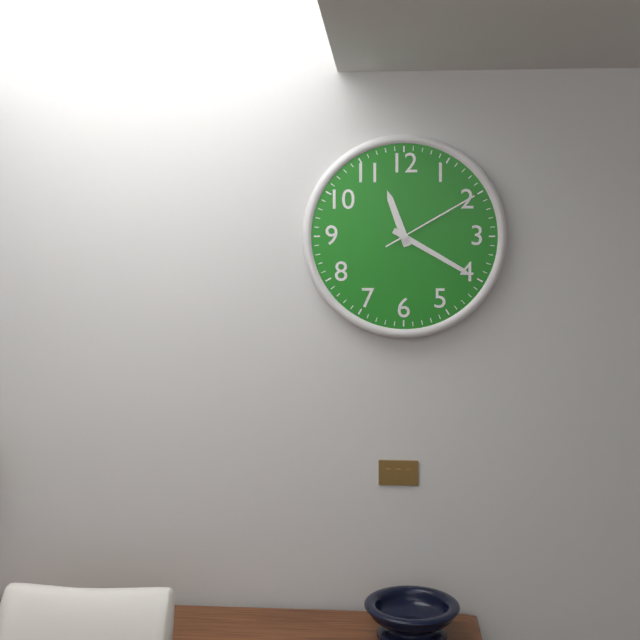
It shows 11:20:10
